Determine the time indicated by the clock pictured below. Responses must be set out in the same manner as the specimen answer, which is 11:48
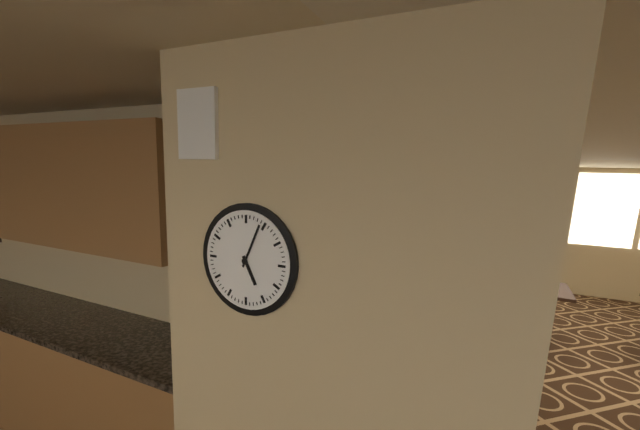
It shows 5:04
